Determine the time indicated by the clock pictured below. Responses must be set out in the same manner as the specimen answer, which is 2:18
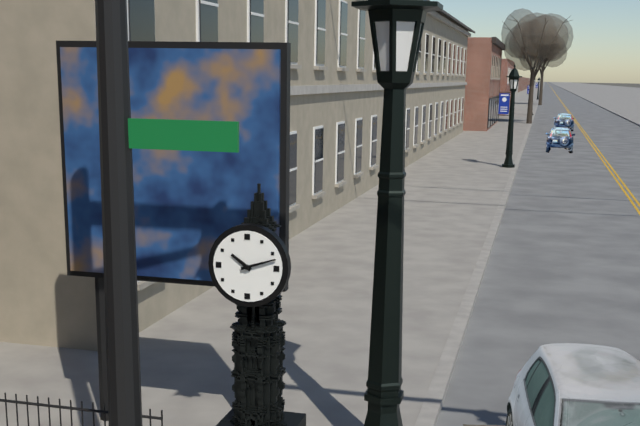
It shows 10:12
